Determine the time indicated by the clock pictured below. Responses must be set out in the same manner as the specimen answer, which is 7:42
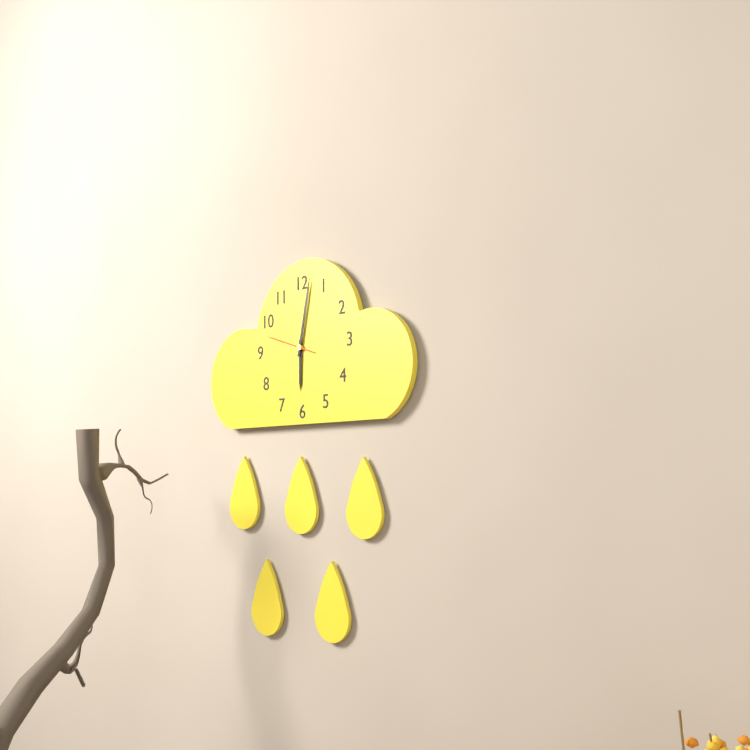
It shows 6:02
